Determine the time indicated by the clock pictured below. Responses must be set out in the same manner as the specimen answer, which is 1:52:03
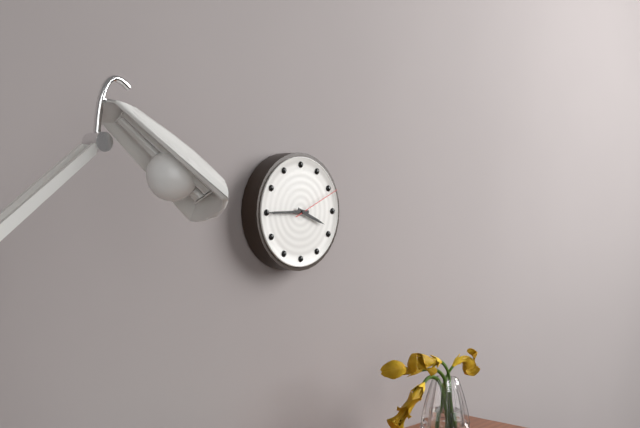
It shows 3:45:11
